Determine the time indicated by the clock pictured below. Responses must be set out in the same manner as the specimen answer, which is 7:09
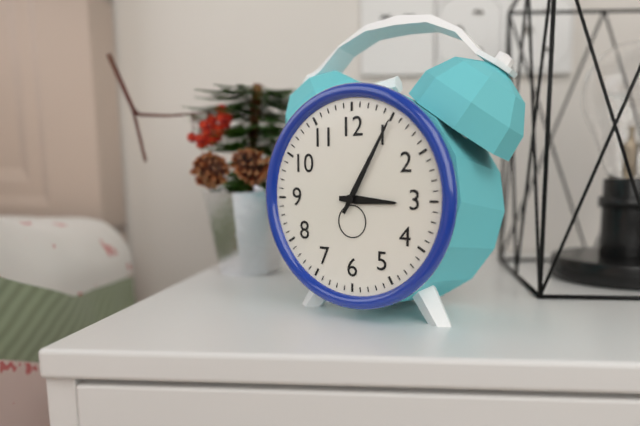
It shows 3:05
